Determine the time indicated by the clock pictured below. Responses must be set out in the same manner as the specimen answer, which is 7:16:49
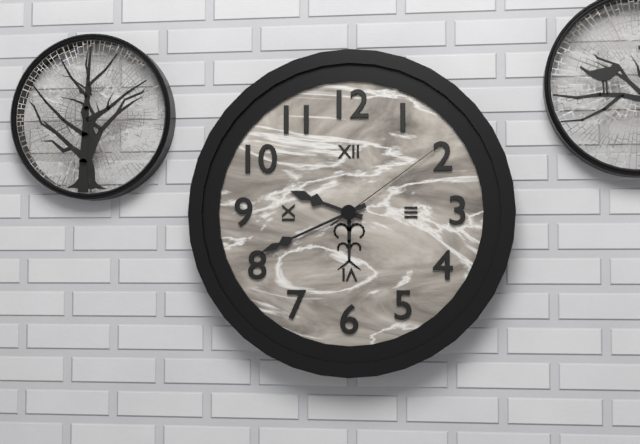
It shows 9:41:09
